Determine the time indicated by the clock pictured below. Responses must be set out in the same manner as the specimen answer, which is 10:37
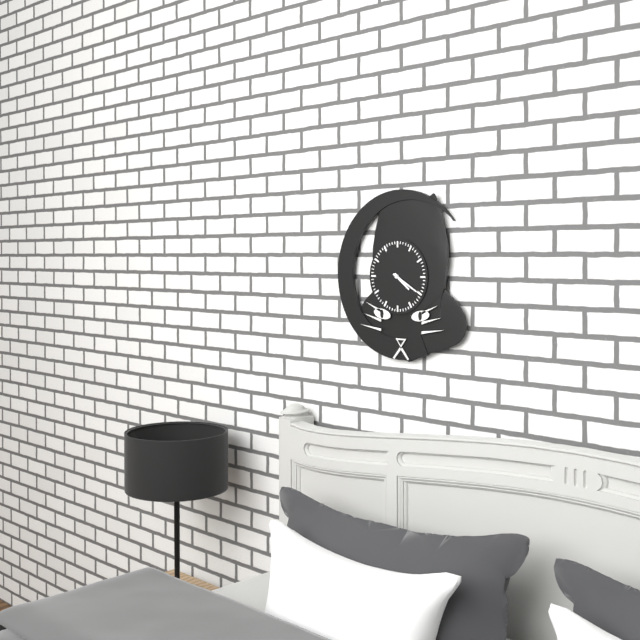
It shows 4:20
